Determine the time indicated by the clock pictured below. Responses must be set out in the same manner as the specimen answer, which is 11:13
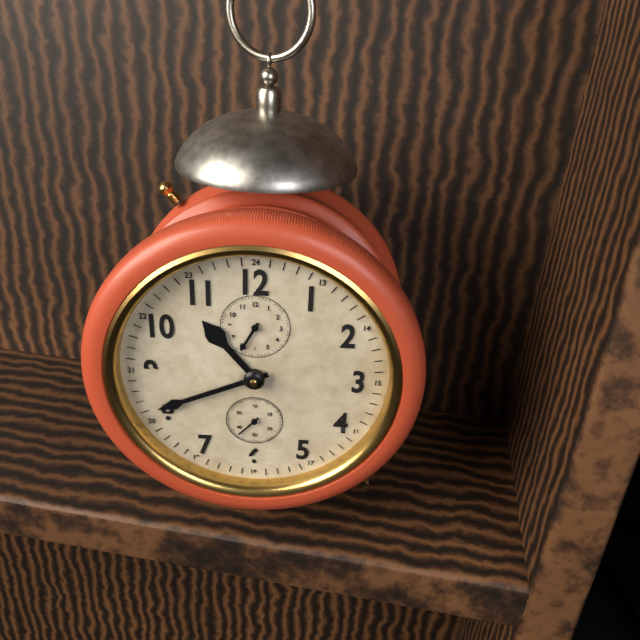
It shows 10:41
